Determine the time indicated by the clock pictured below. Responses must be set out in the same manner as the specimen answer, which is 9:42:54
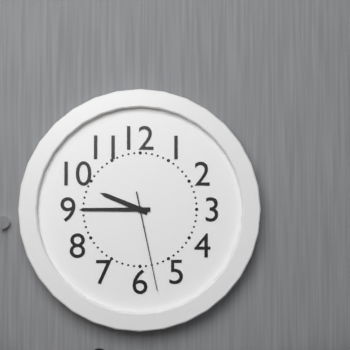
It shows 9:45:28
